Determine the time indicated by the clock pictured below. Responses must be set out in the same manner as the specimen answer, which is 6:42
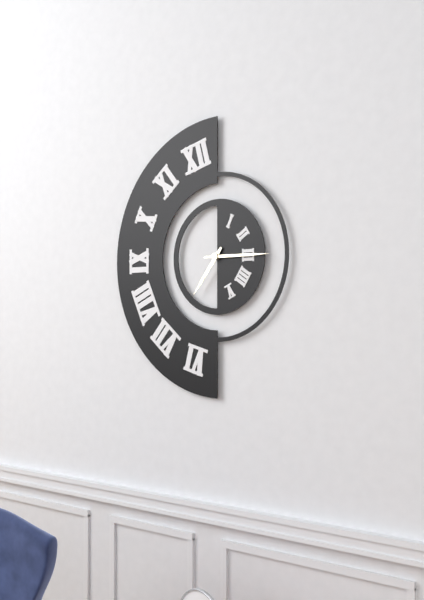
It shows 7:15
